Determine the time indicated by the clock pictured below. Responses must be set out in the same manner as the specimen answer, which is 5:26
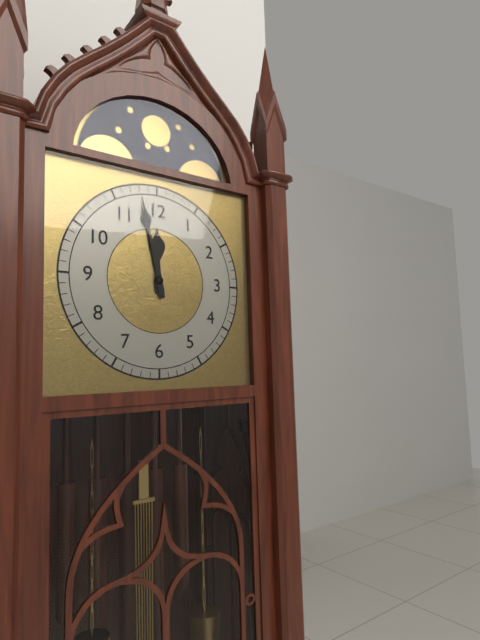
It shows 11:58
